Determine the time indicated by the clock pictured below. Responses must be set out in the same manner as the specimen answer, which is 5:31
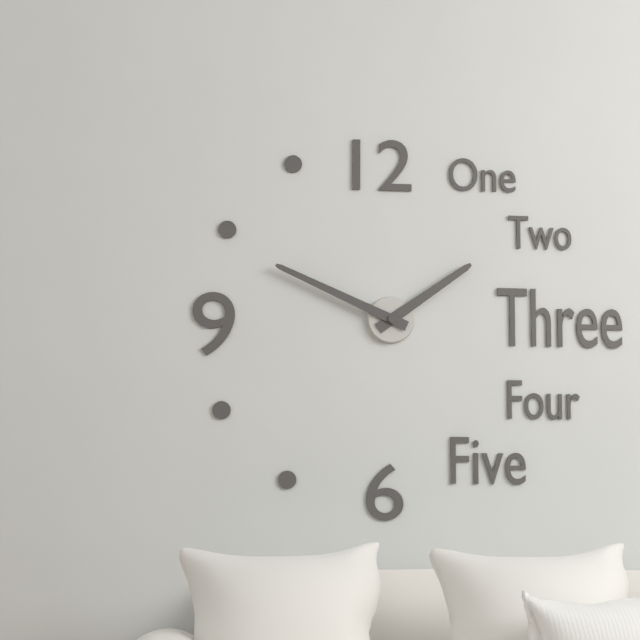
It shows 1:49
